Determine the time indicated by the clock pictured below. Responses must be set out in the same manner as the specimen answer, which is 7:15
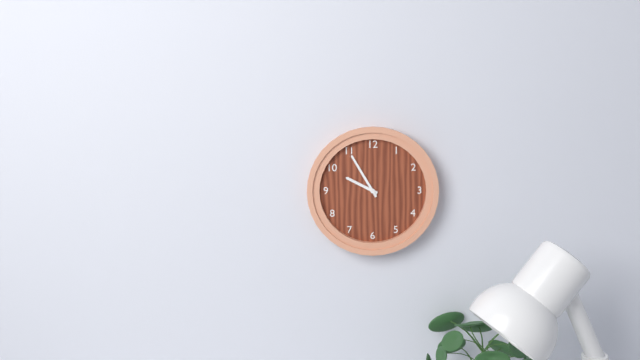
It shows 9:55
